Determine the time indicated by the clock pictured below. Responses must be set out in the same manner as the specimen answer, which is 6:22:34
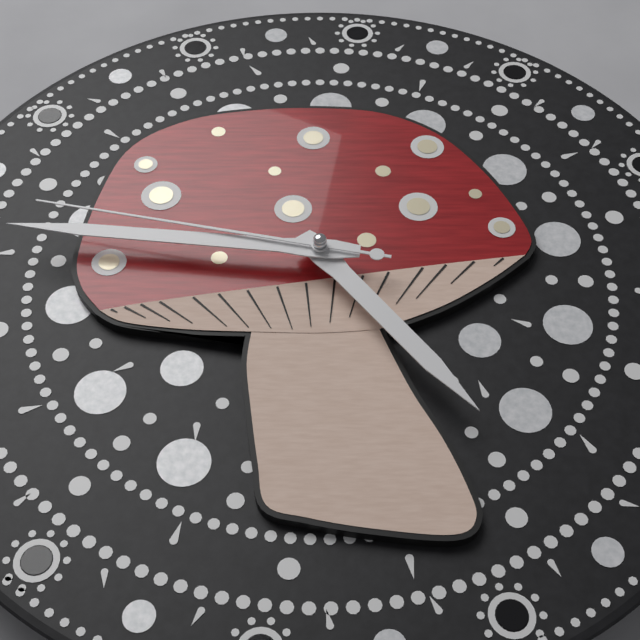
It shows 4:46:47
